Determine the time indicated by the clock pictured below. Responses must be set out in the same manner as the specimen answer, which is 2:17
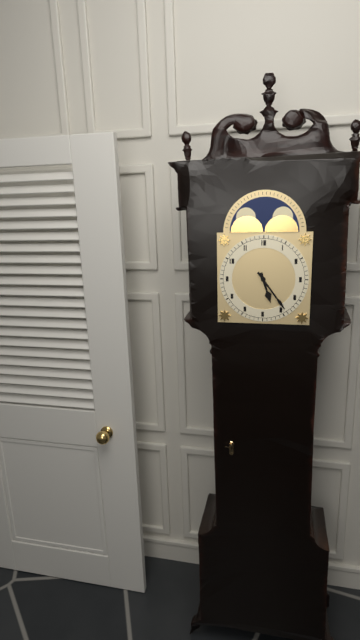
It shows 5:24
